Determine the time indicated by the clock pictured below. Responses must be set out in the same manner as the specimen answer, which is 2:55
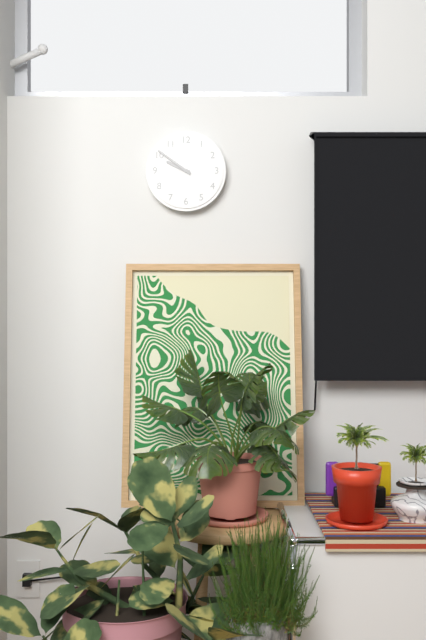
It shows 9:51
